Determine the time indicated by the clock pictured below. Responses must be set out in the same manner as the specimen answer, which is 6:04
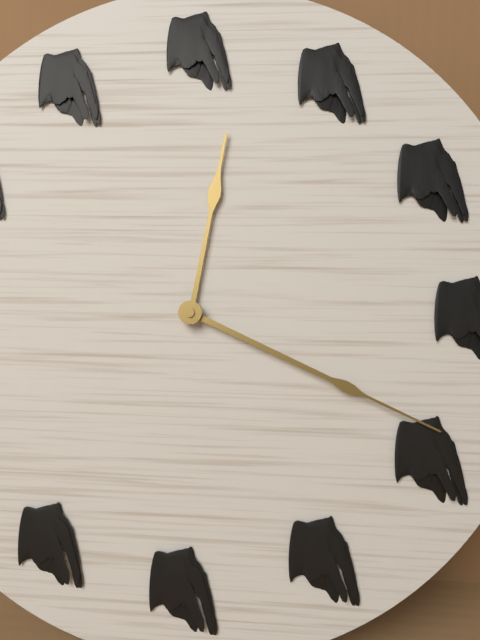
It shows 12:19
